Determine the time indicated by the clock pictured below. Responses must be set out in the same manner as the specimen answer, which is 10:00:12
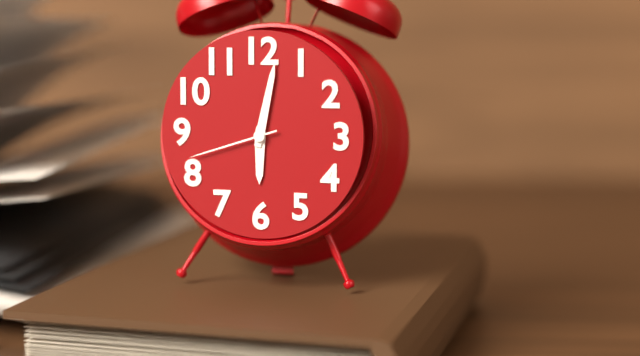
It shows 6:02:42
